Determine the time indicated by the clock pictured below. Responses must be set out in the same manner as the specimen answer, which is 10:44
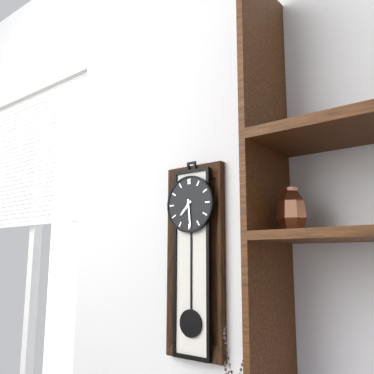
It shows 7:29
